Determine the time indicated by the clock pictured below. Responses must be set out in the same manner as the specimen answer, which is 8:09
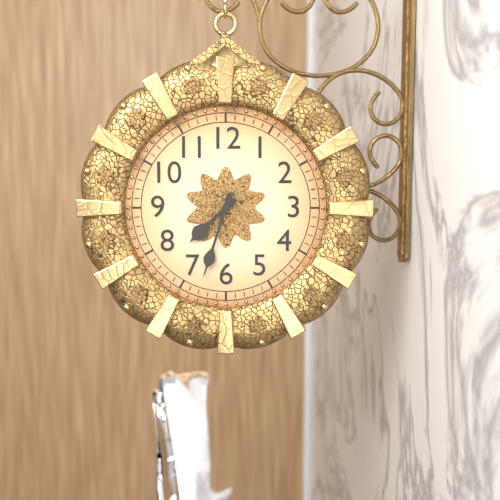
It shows 7:33
